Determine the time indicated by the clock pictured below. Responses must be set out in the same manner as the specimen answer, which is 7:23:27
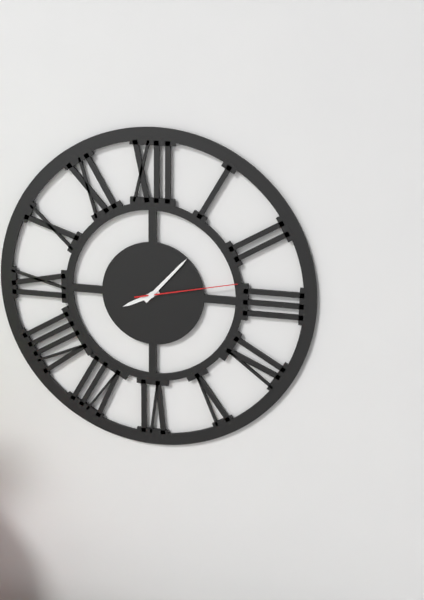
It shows 8:07:13
